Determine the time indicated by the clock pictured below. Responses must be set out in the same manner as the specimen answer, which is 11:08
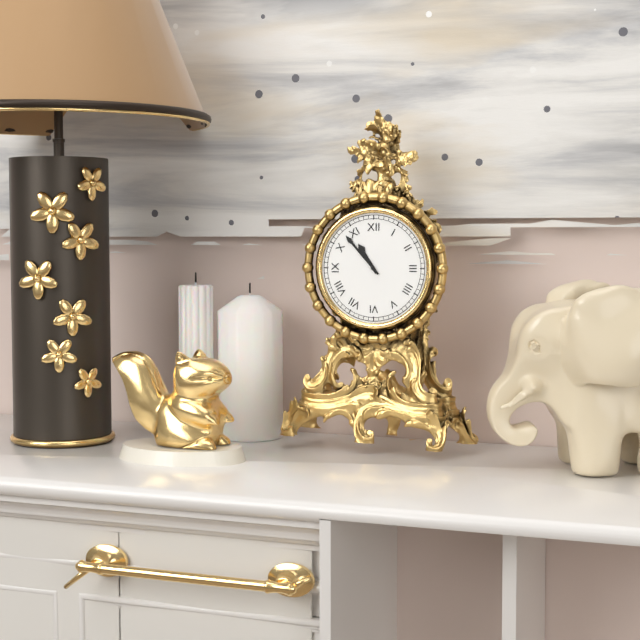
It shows 10:53
